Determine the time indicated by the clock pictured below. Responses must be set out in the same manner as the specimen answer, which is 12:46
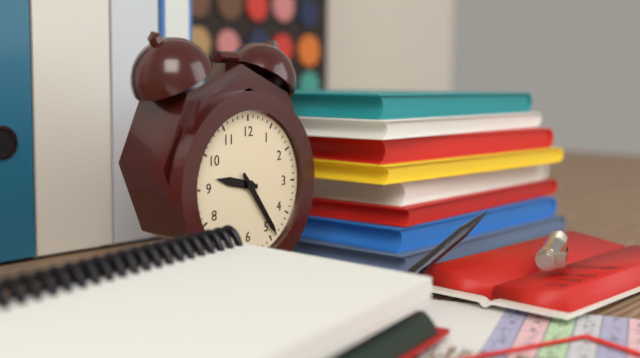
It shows 9:24
